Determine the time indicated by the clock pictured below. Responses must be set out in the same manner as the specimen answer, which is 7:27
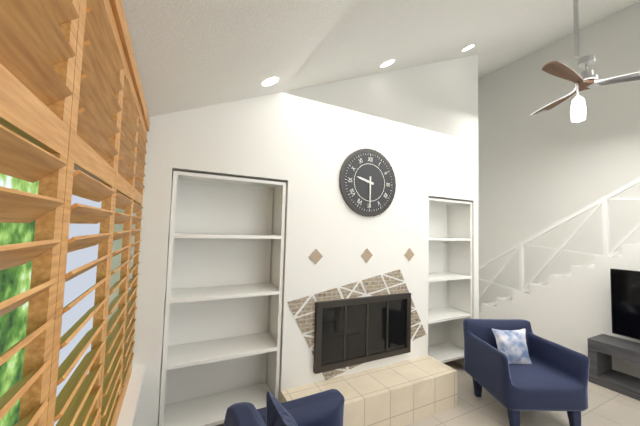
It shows 9:30
